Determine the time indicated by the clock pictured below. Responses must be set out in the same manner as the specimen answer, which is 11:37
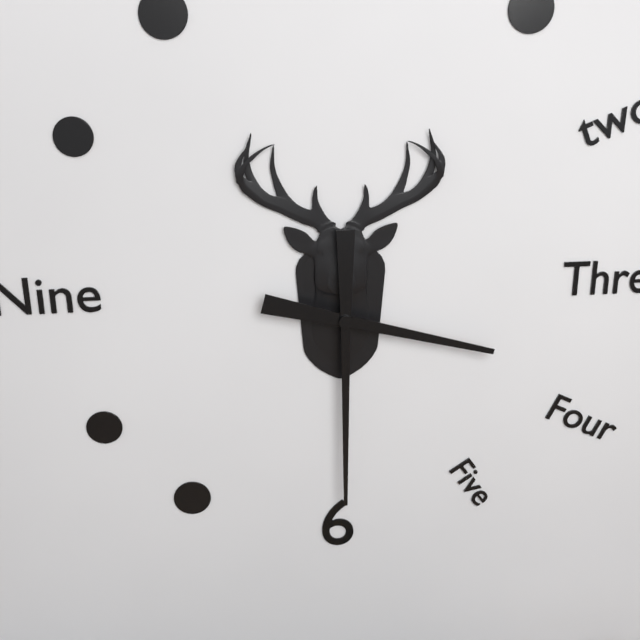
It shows 3:30
